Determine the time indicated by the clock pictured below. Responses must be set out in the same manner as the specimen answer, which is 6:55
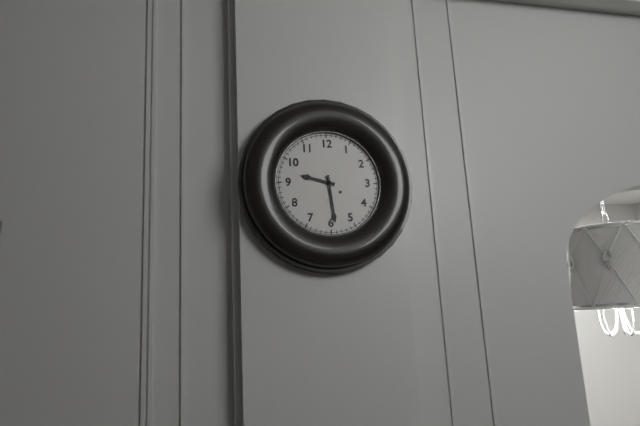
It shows 9:29
